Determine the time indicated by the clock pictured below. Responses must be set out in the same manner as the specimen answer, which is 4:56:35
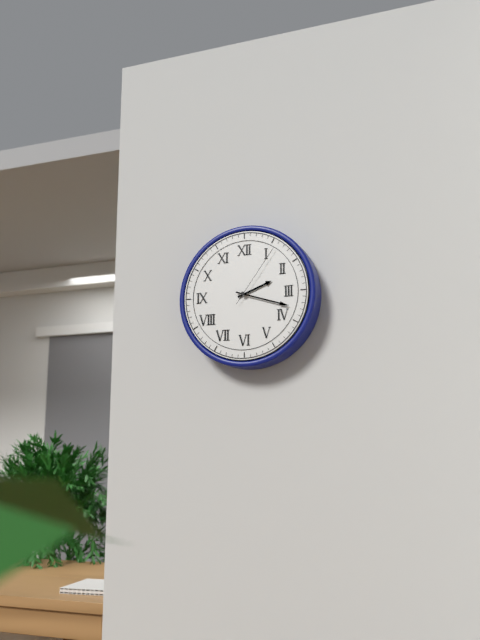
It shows 2:18:06
